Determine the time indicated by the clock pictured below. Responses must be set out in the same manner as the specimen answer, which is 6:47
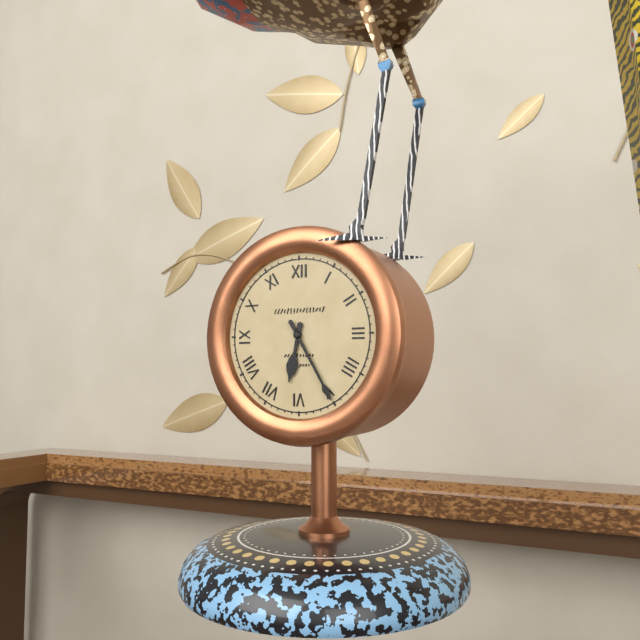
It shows 6:25
